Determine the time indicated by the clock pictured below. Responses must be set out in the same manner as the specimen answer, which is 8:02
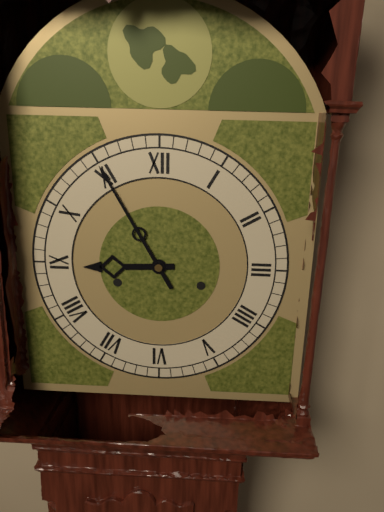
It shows 8:55
